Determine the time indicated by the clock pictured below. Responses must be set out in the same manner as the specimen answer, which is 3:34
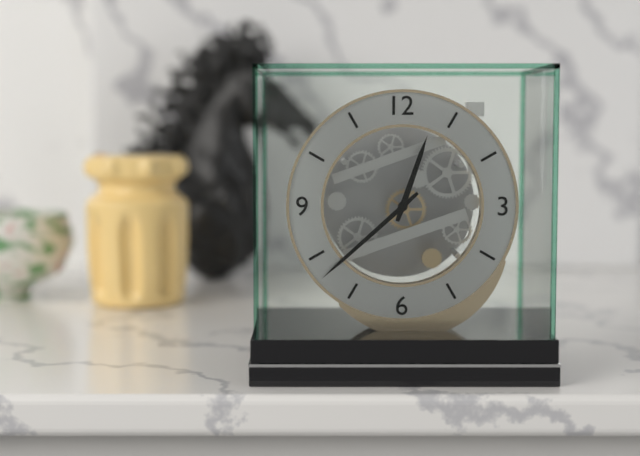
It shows 12:38
